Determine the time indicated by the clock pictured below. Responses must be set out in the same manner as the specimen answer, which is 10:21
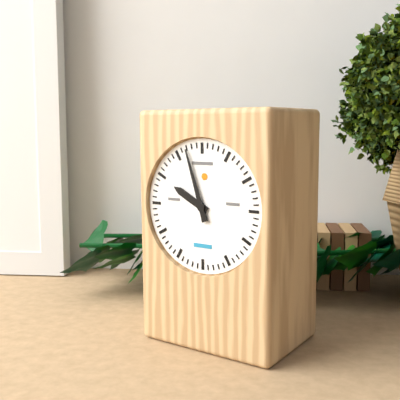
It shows 9:57
